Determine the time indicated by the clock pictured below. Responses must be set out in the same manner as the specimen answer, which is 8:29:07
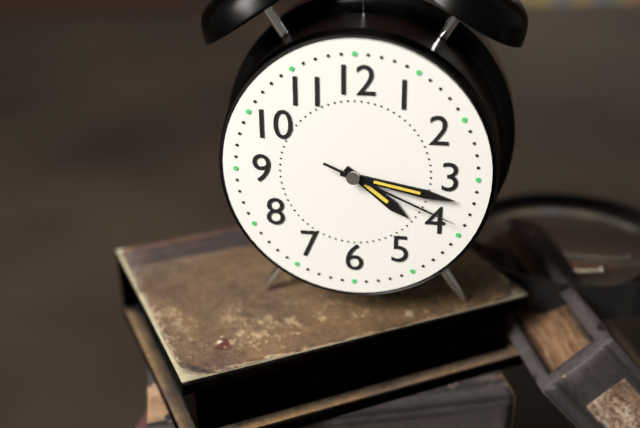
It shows 4:17:19
